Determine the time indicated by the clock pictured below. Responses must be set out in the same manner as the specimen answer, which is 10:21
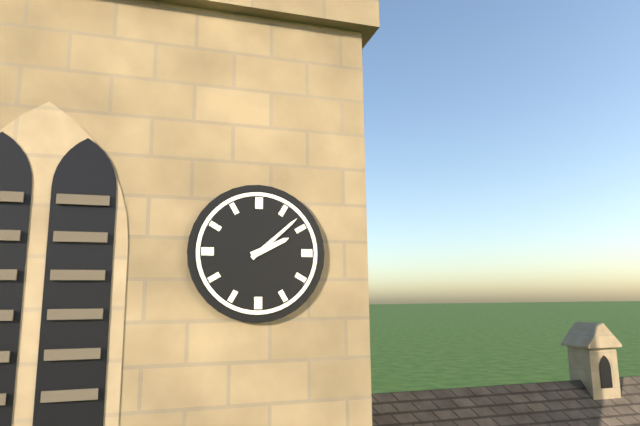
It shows 2:08
